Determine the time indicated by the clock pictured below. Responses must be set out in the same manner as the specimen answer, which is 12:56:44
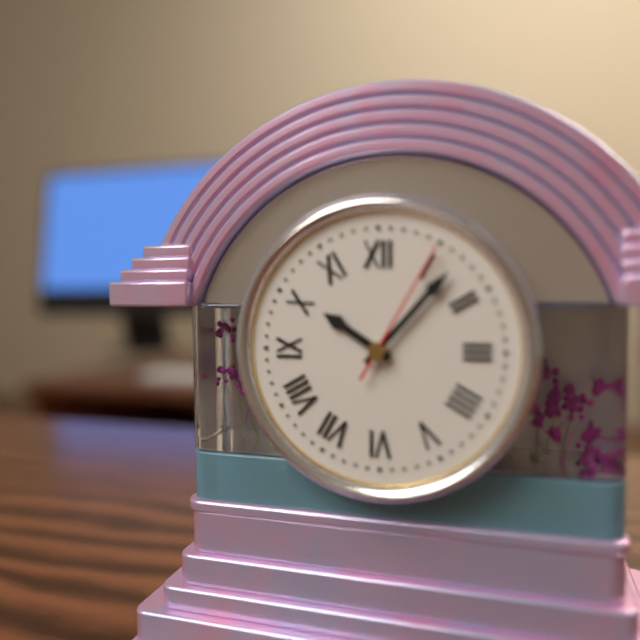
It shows 10:07:05
